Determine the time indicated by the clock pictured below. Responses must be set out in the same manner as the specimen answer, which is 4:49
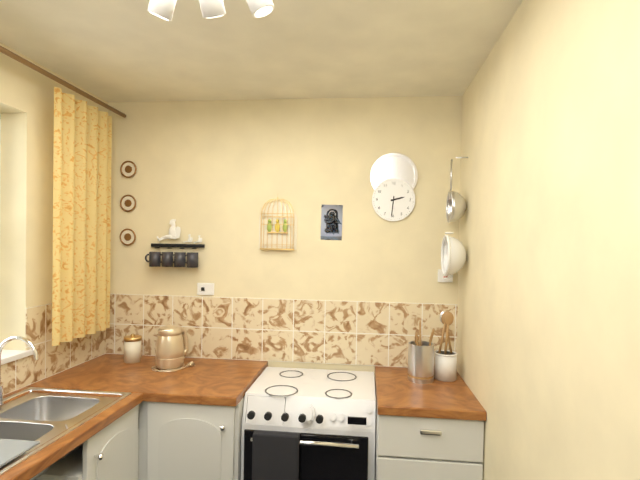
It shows 2:31
